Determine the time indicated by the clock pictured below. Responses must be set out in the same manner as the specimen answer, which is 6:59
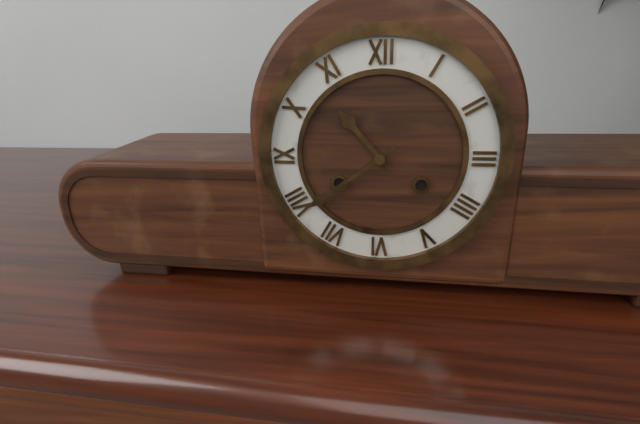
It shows 10:39
